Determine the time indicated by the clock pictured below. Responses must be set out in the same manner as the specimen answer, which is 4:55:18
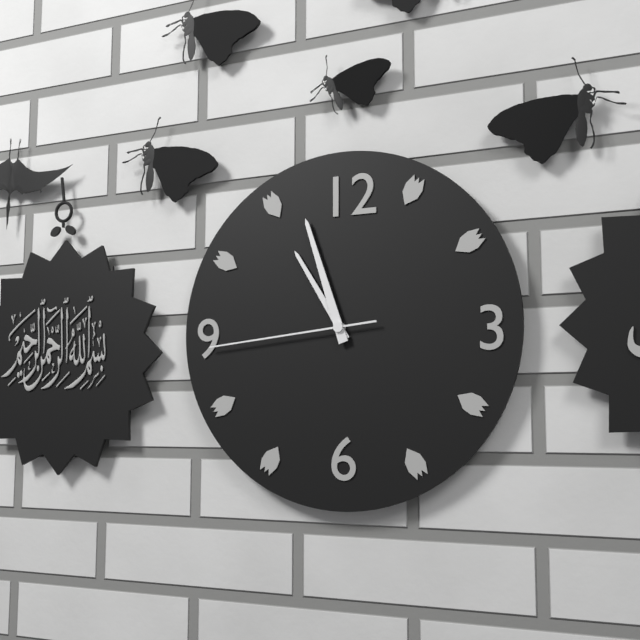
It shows 10:57:44
